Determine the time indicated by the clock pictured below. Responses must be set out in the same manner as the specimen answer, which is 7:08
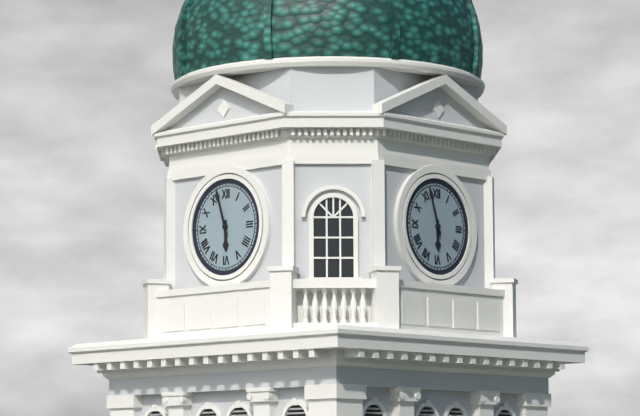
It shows 5:57
